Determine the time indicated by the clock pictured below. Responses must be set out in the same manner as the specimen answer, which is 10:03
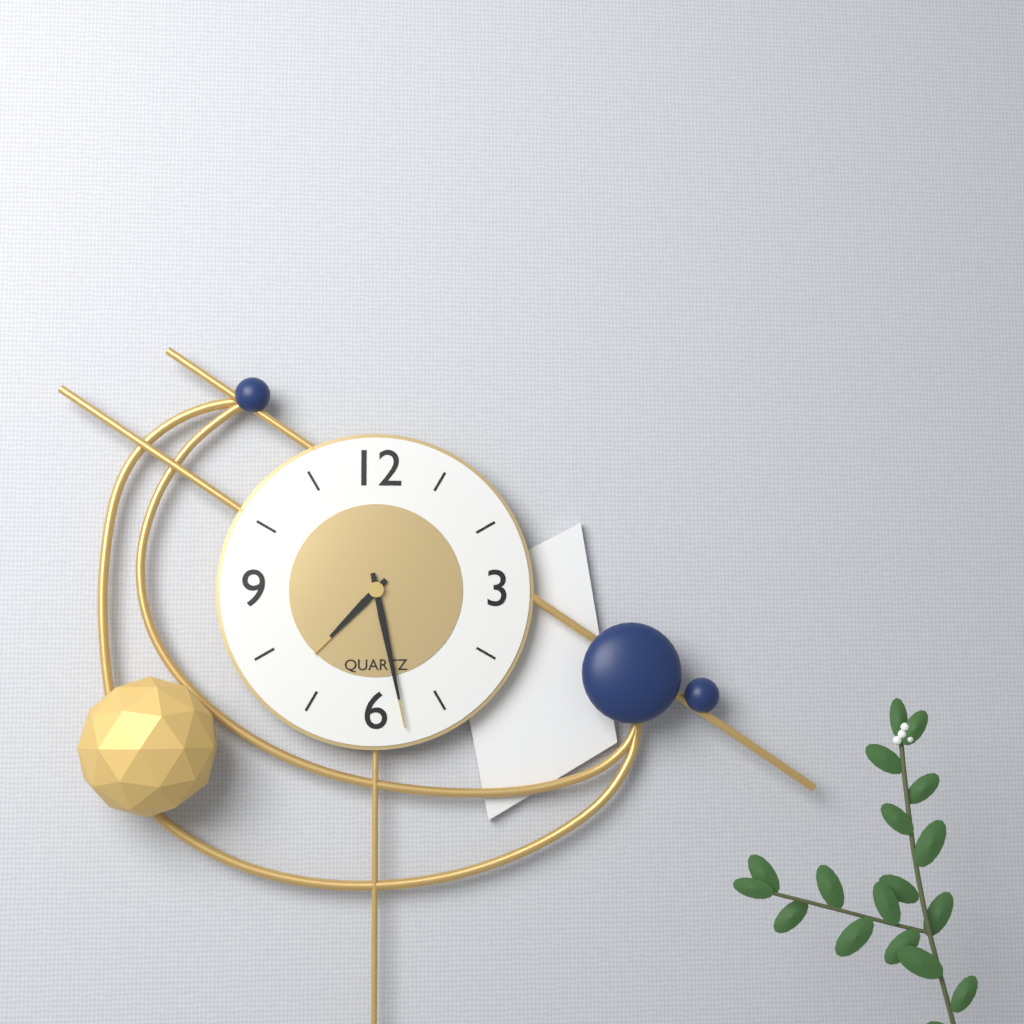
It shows 7:28
